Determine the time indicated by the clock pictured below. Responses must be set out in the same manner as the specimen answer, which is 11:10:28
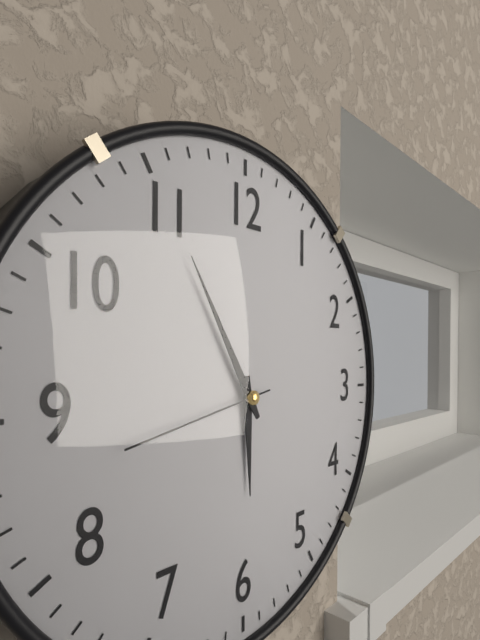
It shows 5:55:43
